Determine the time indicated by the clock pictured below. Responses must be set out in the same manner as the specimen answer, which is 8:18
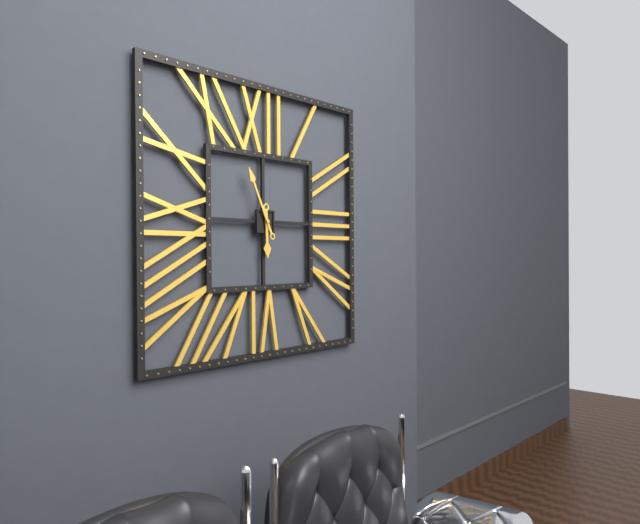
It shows 5:56
